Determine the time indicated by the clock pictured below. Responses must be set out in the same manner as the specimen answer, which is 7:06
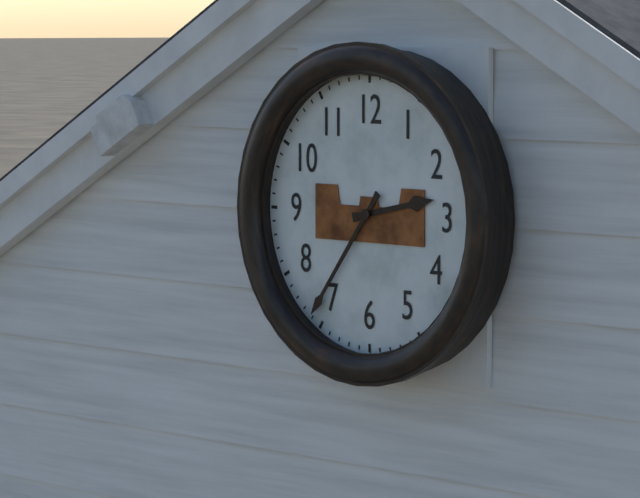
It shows 2:36
